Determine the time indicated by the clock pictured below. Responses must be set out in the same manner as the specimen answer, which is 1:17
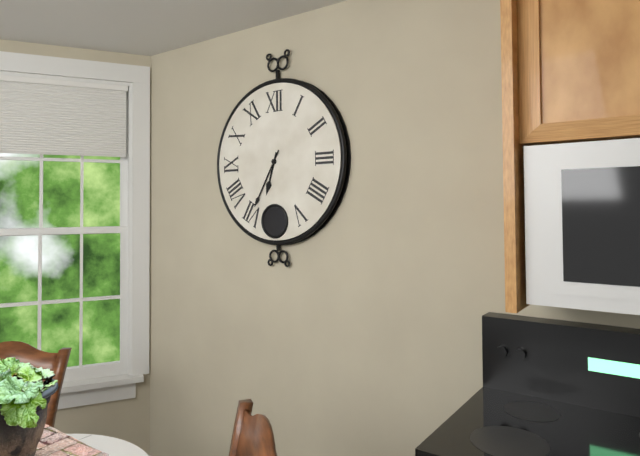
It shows 6:35
